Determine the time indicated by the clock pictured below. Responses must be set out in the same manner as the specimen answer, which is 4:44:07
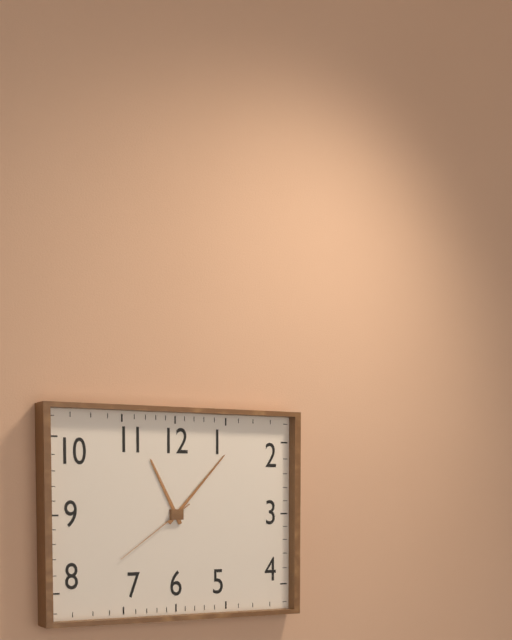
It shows 11:07:39
